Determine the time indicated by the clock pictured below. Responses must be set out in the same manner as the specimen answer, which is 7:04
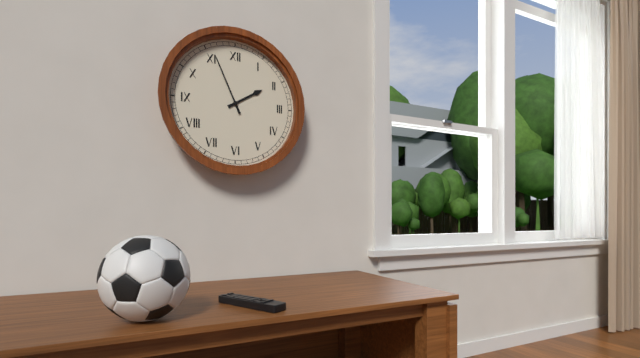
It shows 1:56
